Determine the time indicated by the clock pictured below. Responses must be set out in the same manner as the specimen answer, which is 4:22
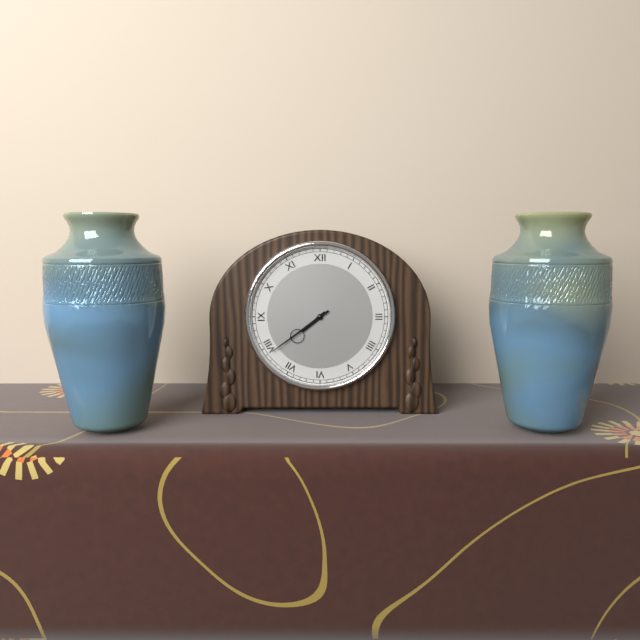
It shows 7:39
